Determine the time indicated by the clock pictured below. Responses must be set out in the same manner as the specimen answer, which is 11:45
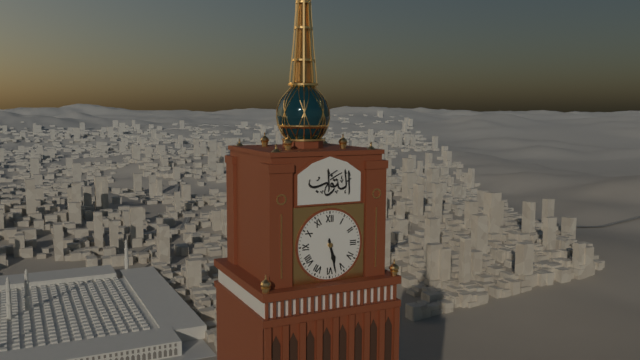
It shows 5:28
